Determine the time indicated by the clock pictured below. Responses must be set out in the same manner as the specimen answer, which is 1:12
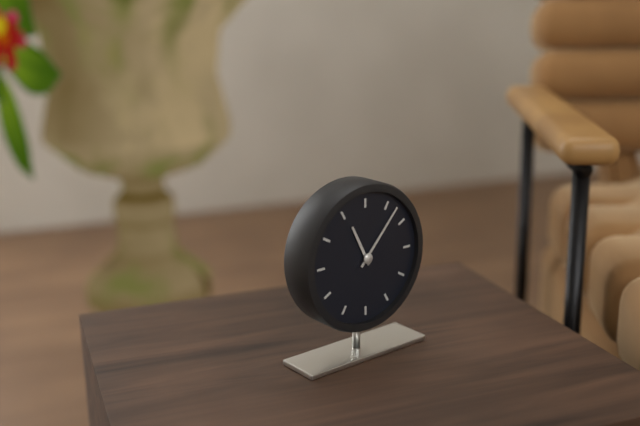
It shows 11:07
